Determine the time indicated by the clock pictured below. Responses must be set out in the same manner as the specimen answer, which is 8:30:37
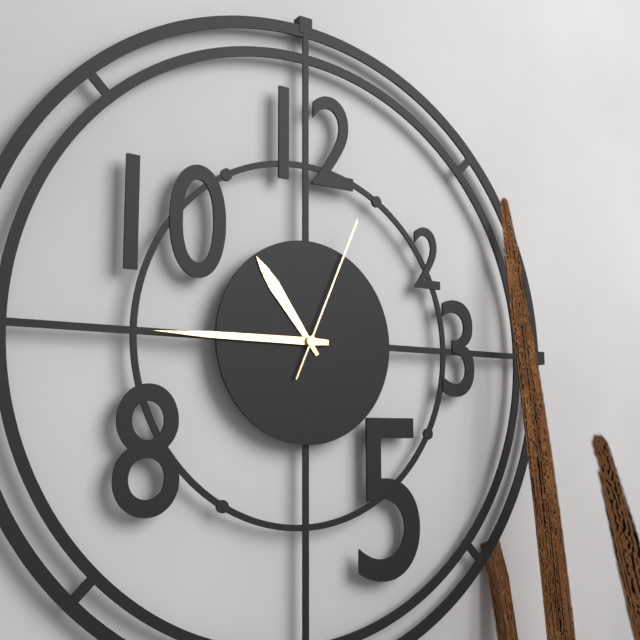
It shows 10:45:04
